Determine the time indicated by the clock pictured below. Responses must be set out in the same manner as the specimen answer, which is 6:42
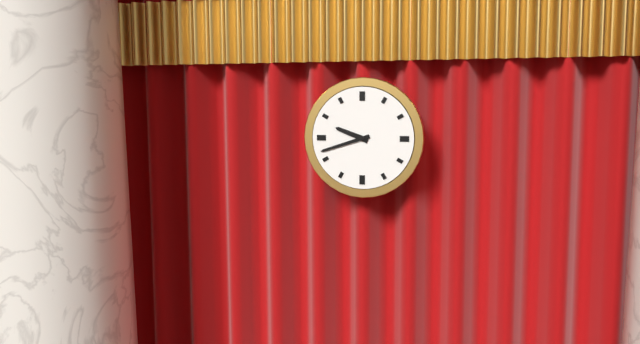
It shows 9:42
